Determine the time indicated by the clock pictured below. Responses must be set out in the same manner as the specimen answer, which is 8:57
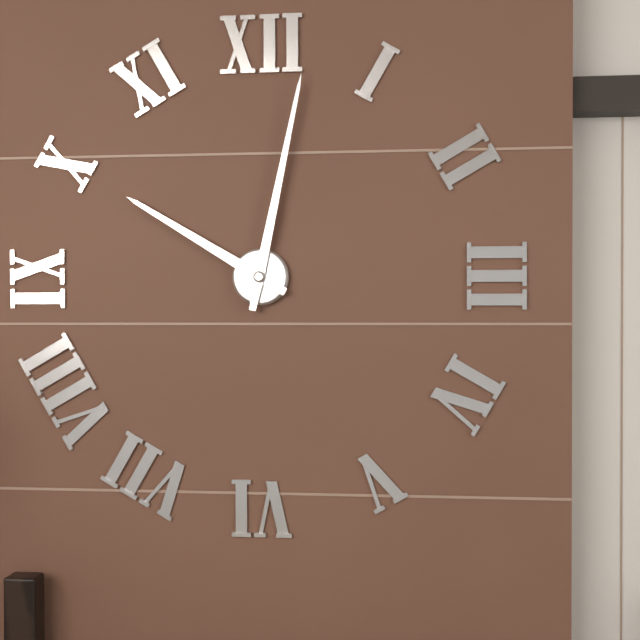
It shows 10:02
